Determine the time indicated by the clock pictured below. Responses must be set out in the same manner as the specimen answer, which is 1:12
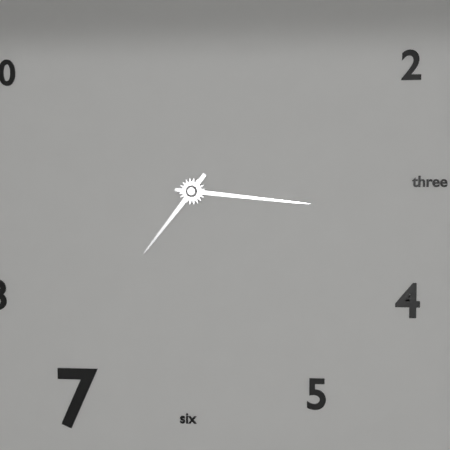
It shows 7:16
